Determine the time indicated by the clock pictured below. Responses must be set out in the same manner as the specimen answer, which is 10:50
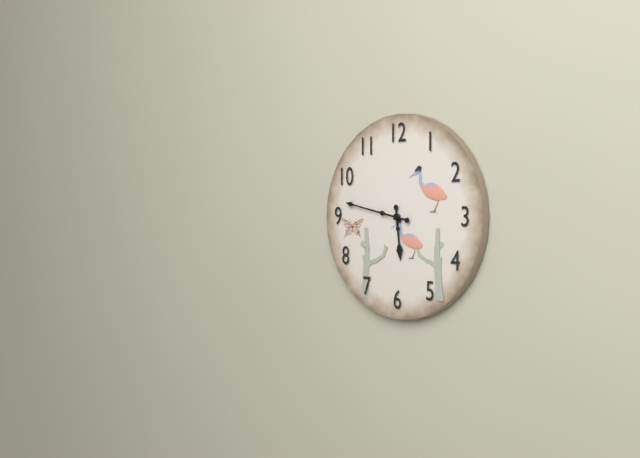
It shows 5:47
